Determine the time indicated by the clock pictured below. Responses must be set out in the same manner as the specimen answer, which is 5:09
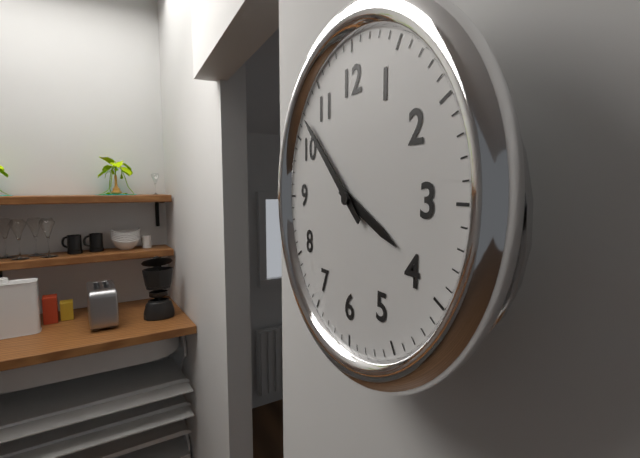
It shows 3:52
